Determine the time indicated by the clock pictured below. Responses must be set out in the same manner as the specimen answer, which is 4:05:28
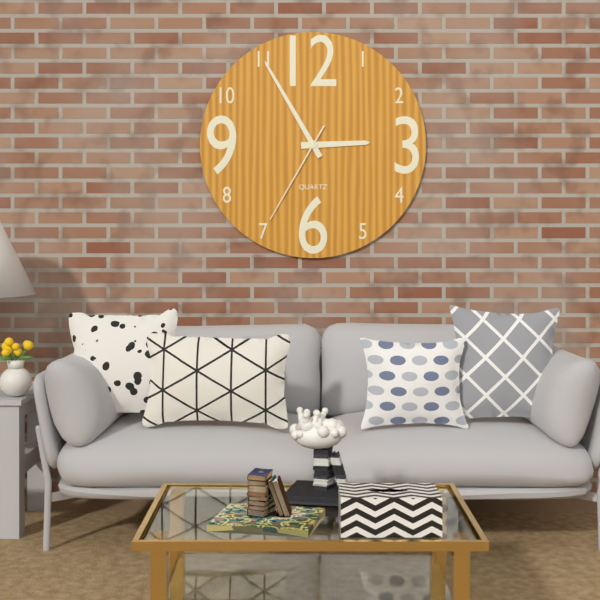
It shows 2:55:35
